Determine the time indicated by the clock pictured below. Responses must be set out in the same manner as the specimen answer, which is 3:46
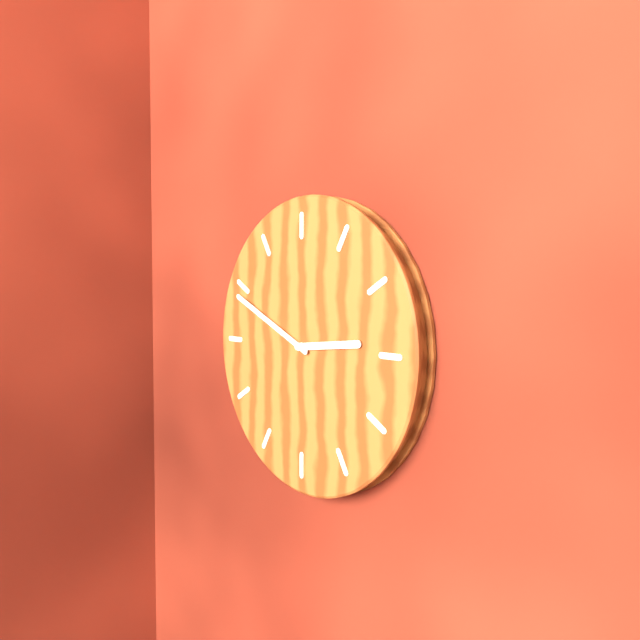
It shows 2:49
